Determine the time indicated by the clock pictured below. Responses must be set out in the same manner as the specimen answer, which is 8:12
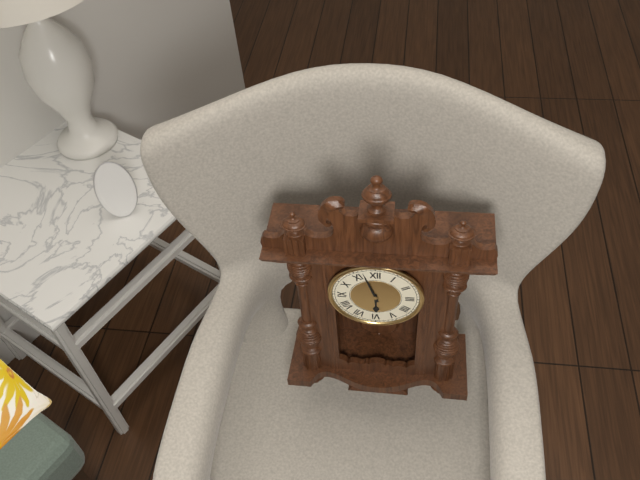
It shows 5:57
